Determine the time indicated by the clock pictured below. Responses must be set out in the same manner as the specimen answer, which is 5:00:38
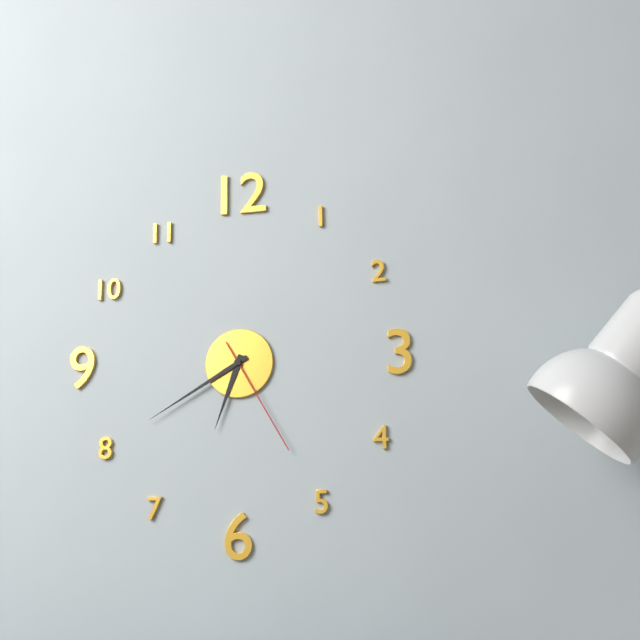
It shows 6:40:25
